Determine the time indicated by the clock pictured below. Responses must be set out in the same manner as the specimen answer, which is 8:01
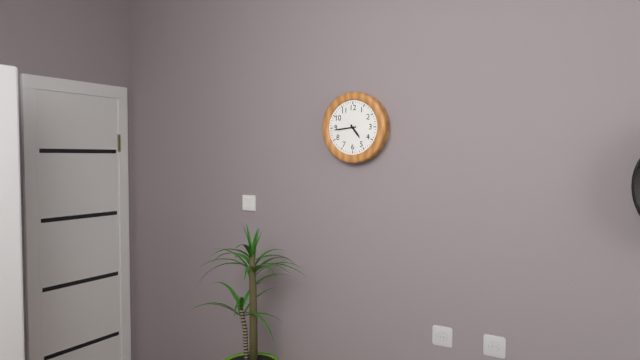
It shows 4:44
